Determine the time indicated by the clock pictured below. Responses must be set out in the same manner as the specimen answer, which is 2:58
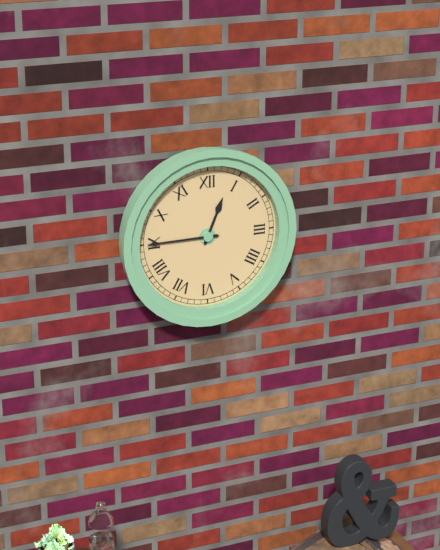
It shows 12:45
